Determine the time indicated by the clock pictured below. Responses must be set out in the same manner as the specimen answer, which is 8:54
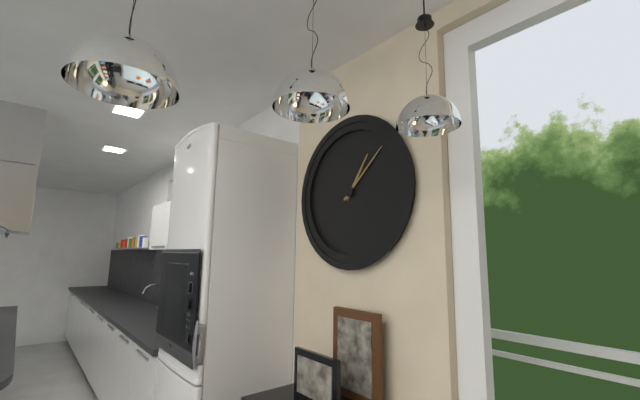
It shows 1:08
